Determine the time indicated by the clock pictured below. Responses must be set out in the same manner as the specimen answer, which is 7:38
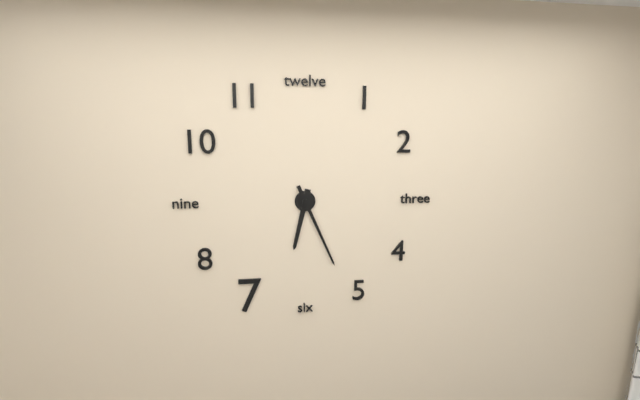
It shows 6:26
